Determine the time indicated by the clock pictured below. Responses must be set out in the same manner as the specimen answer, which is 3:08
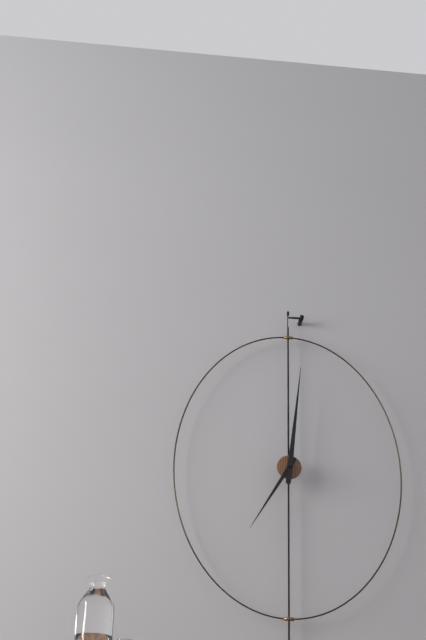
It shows 7:01
